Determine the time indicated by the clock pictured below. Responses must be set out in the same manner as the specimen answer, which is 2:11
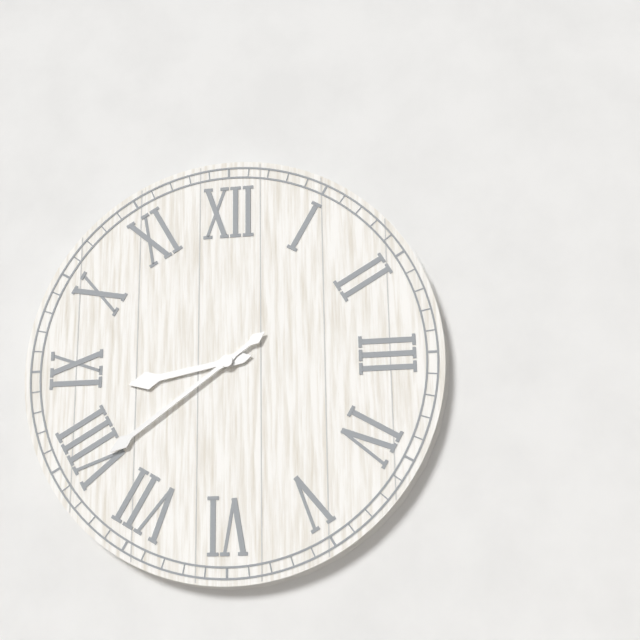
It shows 8:39
